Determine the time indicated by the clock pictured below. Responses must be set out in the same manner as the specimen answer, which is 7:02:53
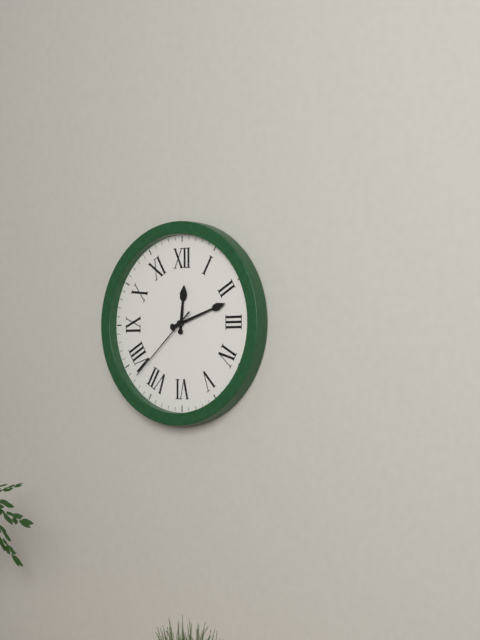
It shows 12:12:38
